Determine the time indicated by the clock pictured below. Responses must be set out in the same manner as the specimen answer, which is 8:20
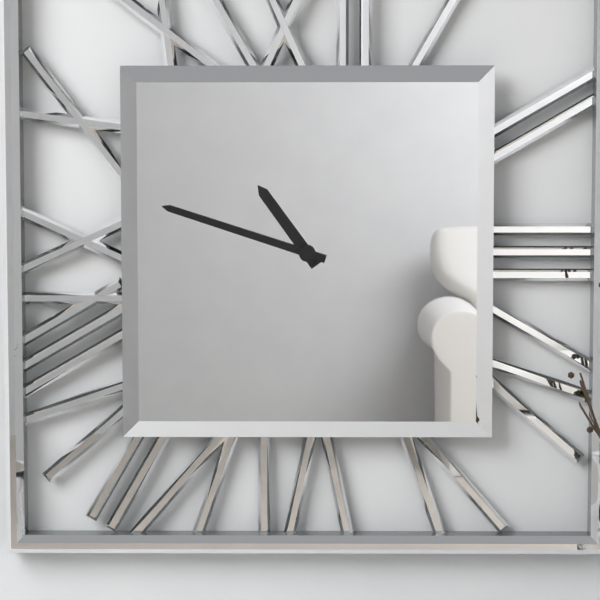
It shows 10:48
